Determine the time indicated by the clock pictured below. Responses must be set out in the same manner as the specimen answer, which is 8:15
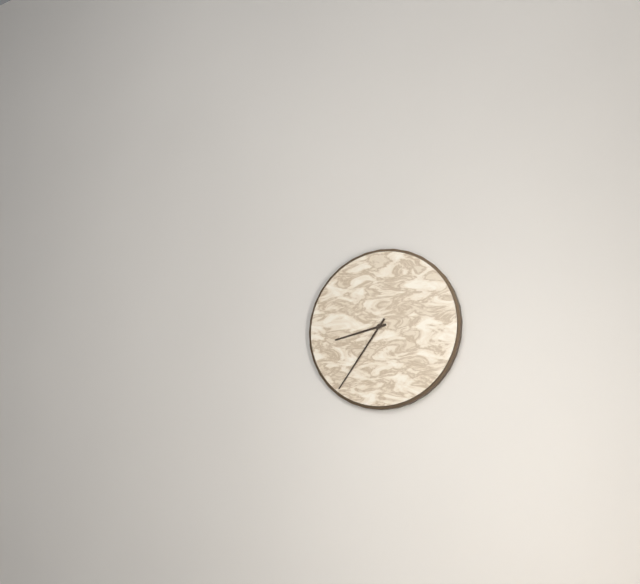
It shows 8:36
